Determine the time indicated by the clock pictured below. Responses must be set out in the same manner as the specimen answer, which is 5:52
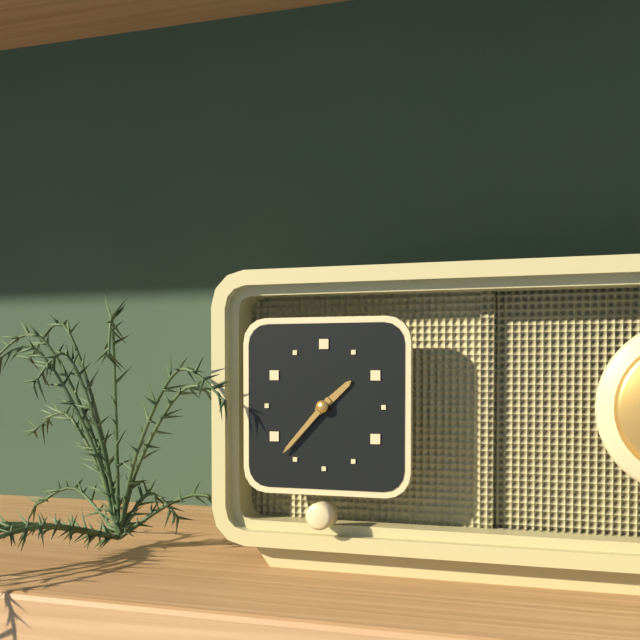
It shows 1:37
